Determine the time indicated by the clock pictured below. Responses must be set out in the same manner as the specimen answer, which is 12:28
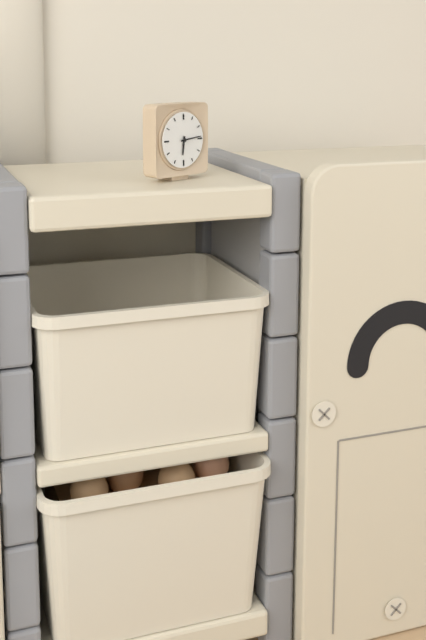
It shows 6:14
